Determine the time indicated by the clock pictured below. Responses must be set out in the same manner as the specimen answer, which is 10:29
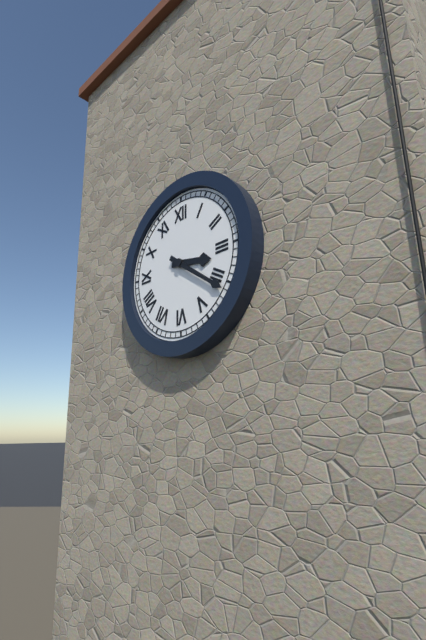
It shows 3:21
